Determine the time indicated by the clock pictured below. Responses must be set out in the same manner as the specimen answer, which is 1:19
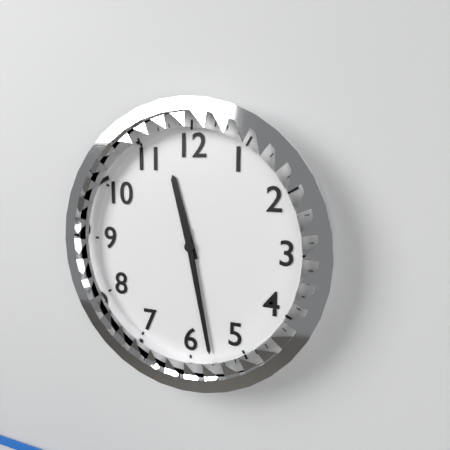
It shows 11:28
